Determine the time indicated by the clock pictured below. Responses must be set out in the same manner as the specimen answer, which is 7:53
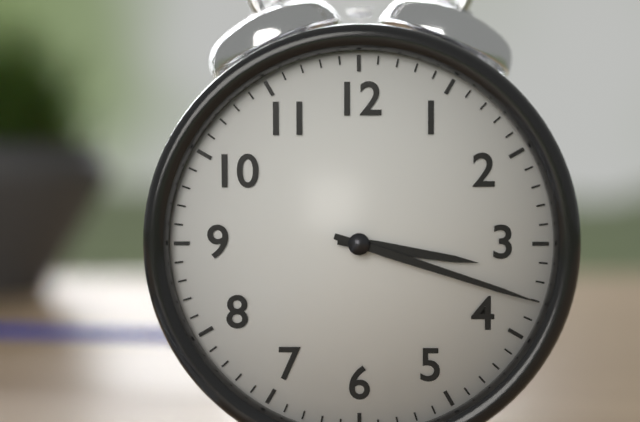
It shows 3:18
